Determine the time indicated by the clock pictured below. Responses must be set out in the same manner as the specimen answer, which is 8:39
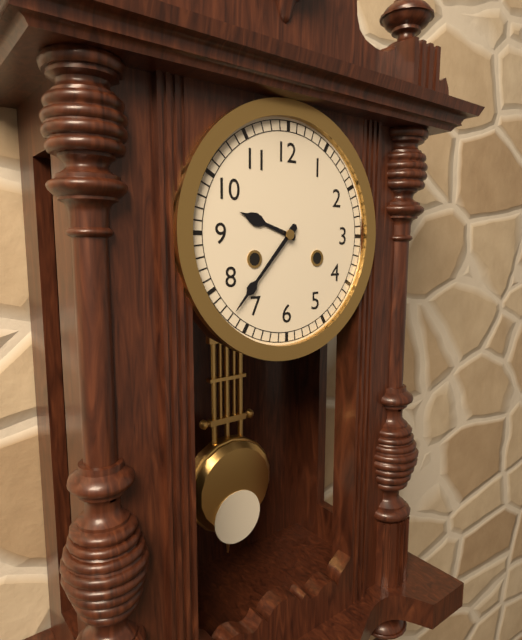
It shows 9:37
